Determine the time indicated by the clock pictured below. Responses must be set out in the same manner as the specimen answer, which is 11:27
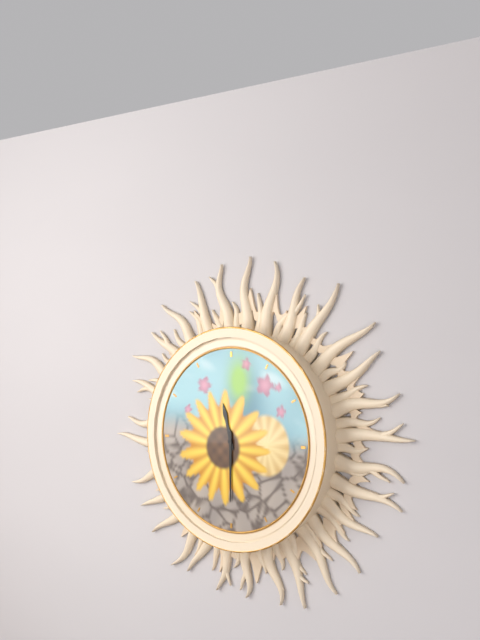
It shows 11:30
